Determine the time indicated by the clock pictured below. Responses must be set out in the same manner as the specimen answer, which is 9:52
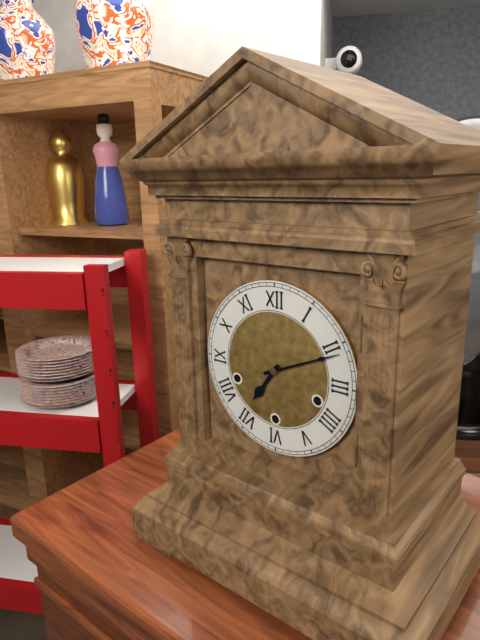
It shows 7:11
